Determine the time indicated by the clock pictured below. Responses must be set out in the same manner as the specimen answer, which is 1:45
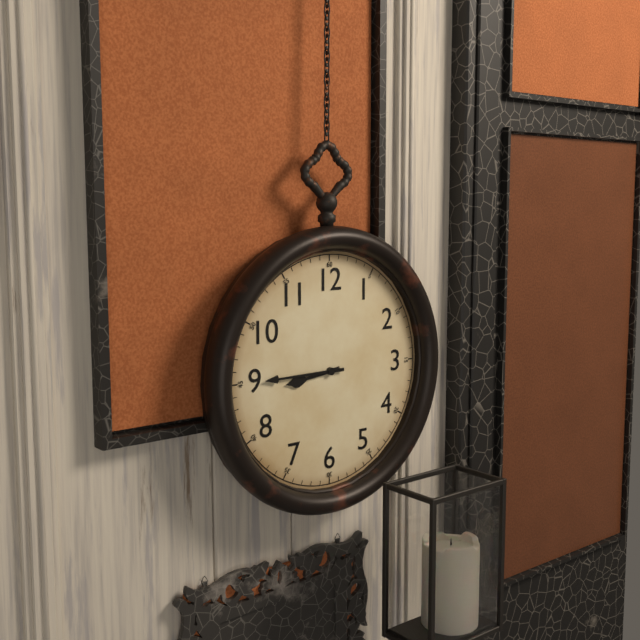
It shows 8:45
